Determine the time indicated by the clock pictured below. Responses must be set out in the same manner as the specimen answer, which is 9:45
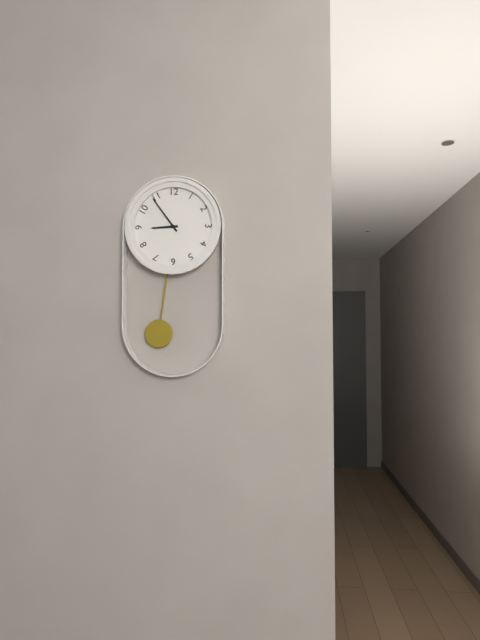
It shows 8:54
